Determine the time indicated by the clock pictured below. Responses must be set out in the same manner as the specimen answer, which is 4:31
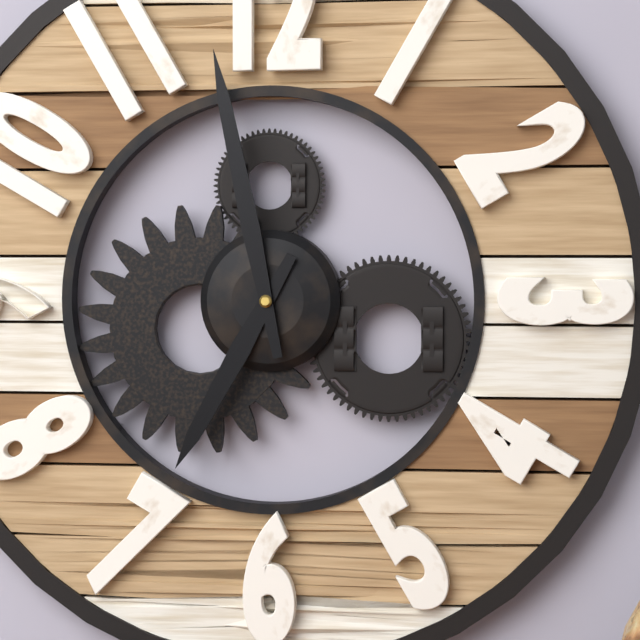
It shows 6:58
